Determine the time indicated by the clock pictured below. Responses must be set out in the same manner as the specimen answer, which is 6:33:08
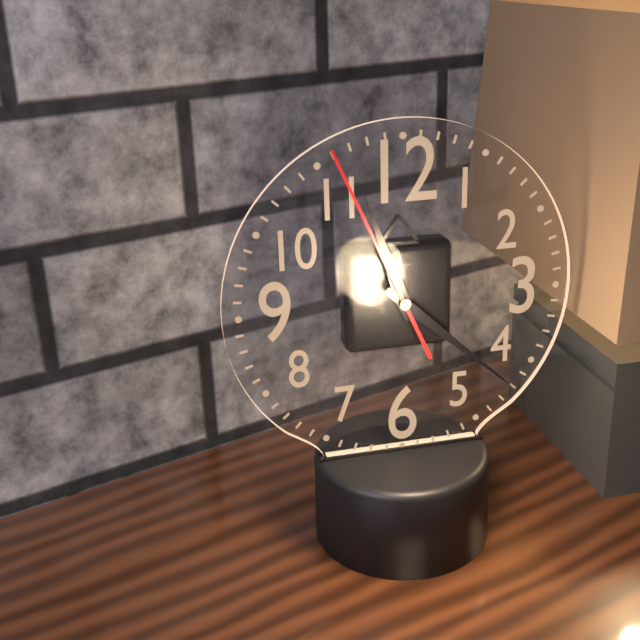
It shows 11:22:56
